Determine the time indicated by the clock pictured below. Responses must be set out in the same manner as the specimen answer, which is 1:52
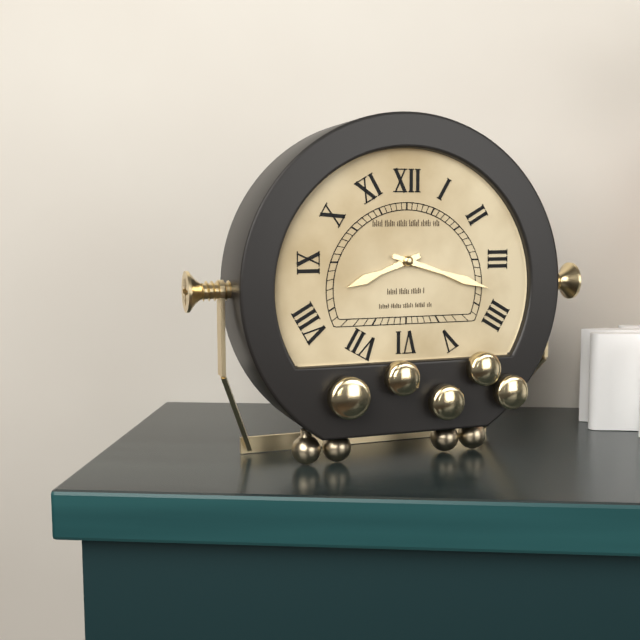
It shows 8:18
